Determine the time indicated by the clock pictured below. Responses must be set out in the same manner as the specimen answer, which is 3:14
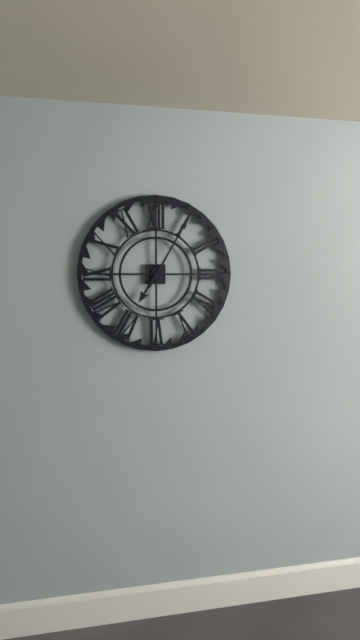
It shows 7:05
